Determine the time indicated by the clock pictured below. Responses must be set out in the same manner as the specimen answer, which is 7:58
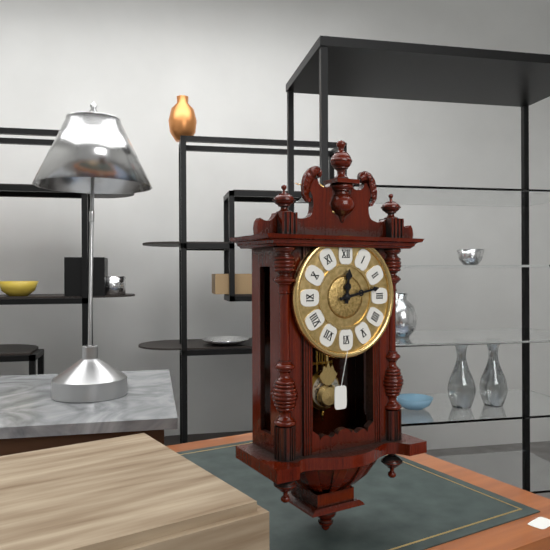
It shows 12:13
